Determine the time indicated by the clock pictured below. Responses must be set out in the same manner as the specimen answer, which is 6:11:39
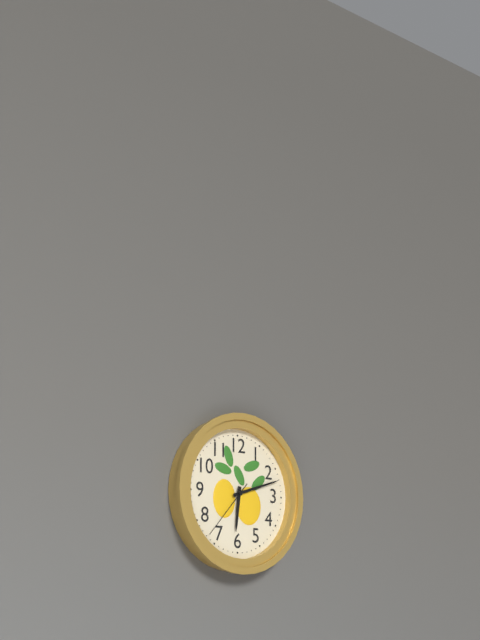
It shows 6:12:37
